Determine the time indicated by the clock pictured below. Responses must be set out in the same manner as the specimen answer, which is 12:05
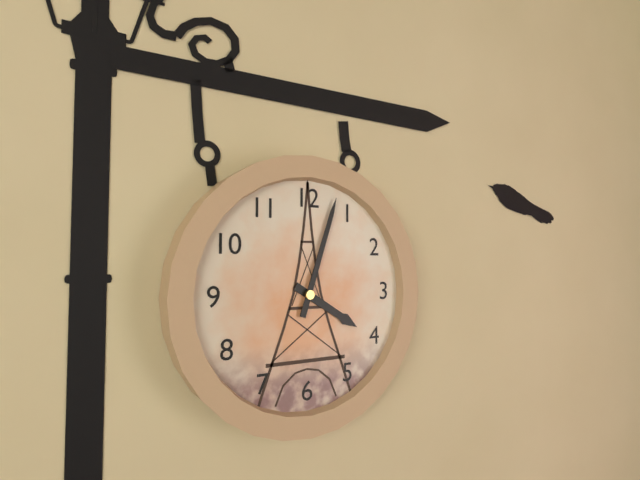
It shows 4:03
